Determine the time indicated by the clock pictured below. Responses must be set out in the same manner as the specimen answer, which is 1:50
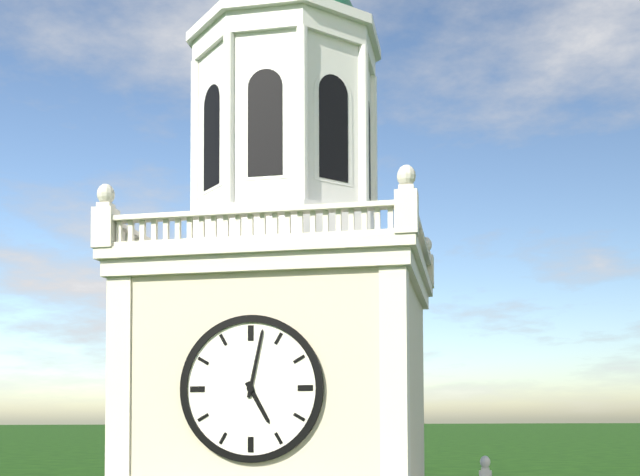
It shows 5:02
